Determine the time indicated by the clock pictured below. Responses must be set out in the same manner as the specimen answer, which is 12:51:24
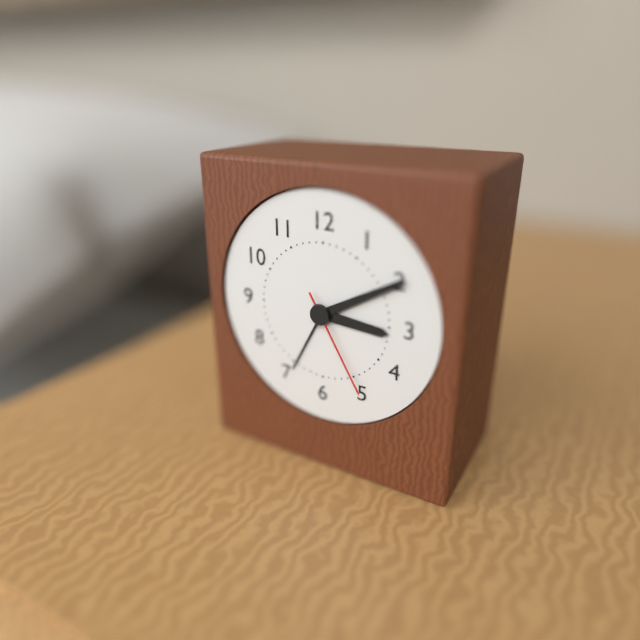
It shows 3:10:25
